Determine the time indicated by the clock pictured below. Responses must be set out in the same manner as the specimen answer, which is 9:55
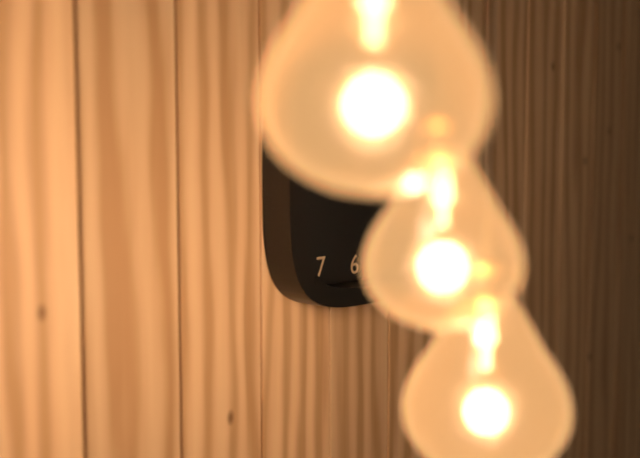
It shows 12:07
